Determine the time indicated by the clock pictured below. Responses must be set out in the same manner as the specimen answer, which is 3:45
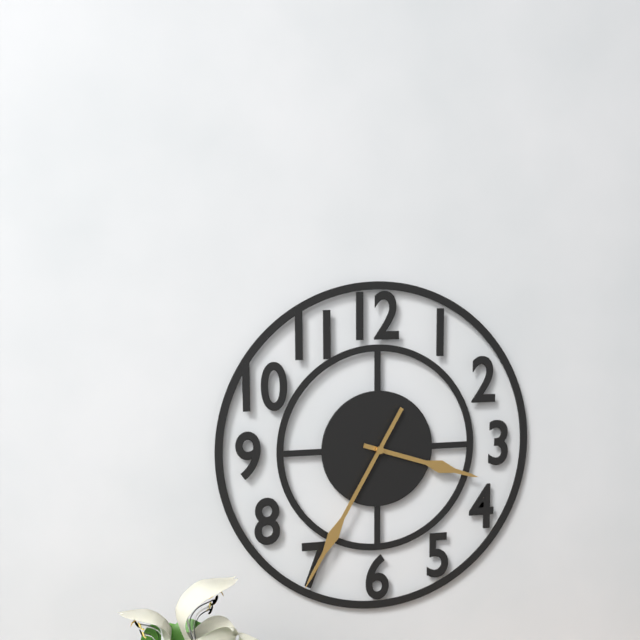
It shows 3:35
